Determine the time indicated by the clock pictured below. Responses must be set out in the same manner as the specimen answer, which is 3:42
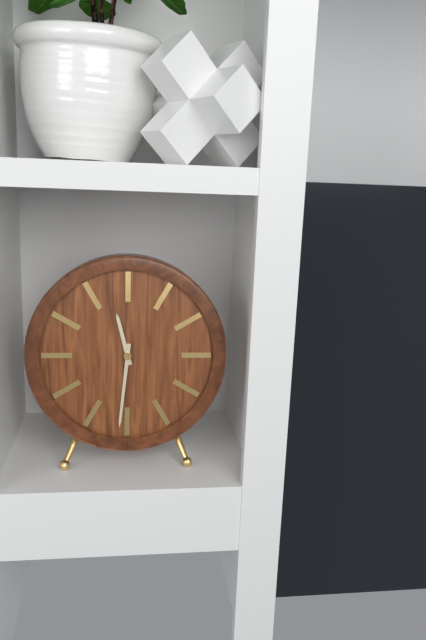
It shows 11:31
